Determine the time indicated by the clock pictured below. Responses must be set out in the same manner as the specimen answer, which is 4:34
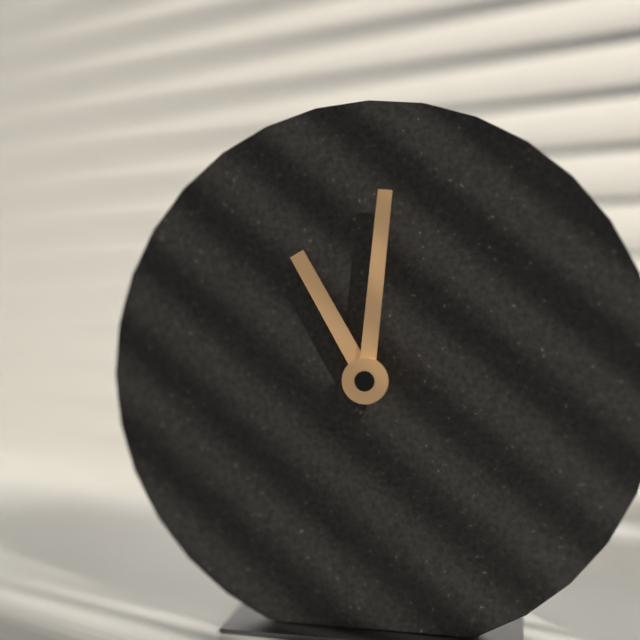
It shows 11:01
